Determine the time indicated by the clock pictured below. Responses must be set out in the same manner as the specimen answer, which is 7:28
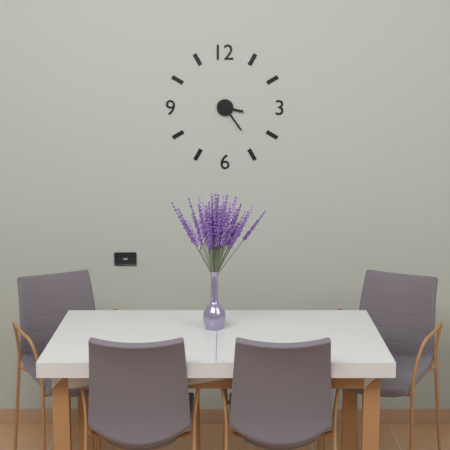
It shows 3:24
